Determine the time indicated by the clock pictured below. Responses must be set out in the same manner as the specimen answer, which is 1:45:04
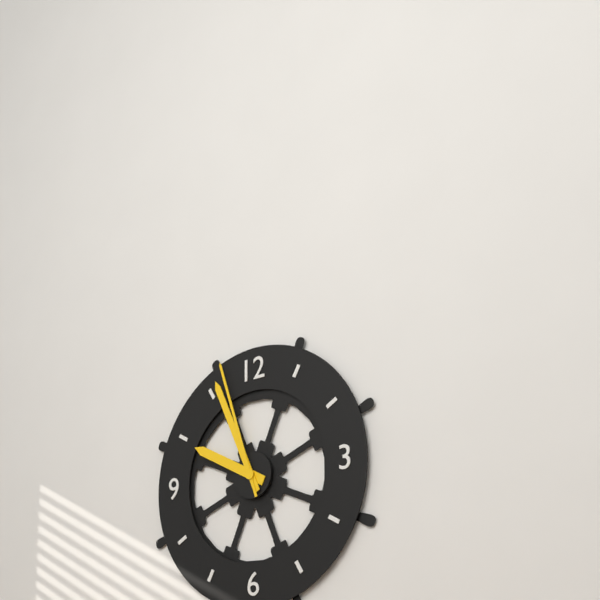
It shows 9:56:57
